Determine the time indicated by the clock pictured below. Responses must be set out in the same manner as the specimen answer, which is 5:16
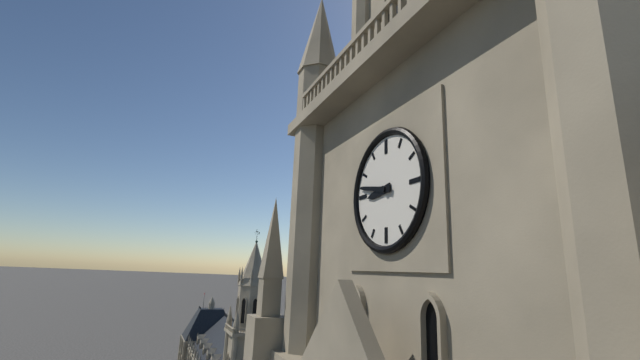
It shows 8:47
